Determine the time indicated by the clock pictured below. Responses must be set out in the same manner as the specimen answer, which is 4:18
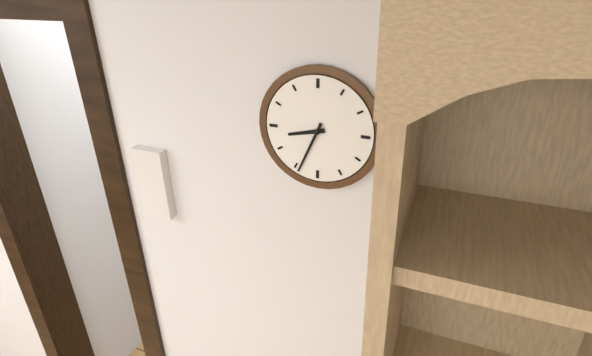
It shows 8:34
